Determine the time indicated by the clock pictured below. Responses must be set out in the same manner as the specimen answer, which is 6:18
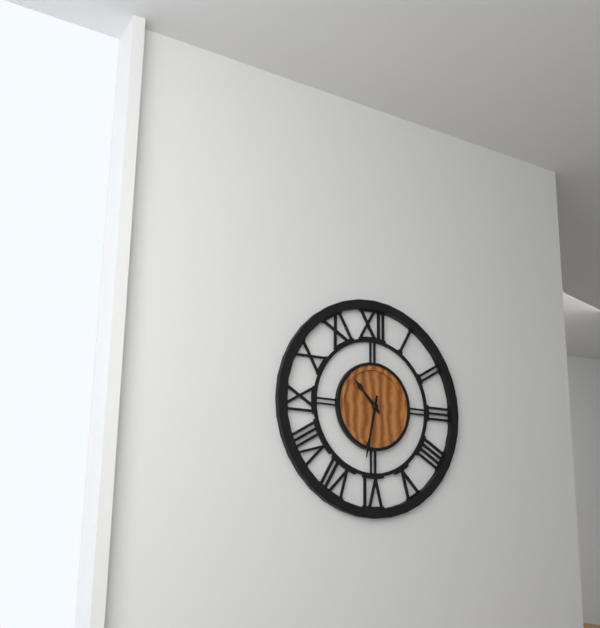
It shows 10:32
